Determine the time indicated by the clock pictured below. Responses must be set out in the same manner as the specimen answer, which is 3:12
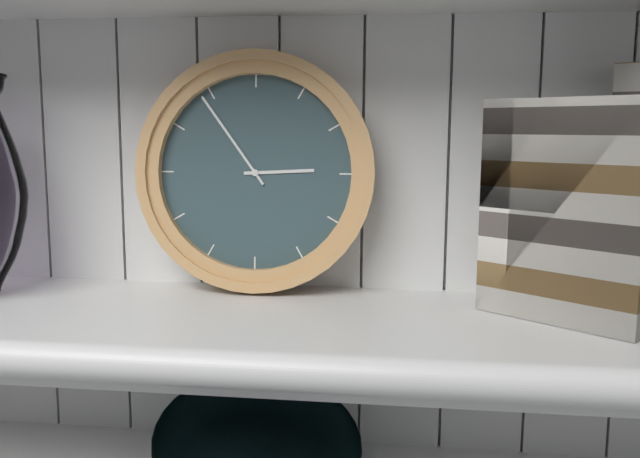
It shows 2:54
